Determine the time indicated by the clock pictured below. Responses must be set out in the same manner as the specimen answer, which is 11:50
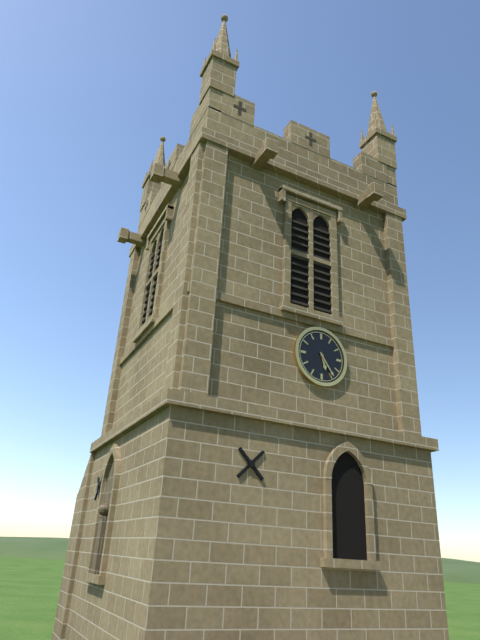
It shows 5:24
